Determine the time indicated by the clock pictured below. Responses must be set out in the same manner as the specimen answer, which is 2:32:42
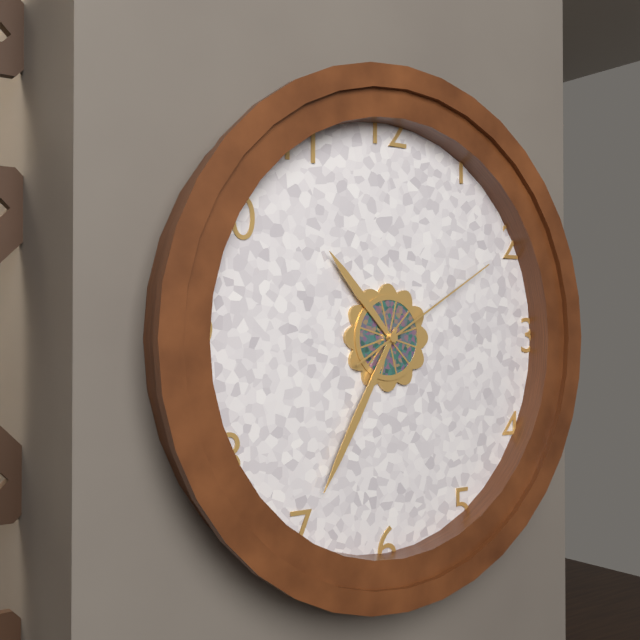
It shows 10:35:10
